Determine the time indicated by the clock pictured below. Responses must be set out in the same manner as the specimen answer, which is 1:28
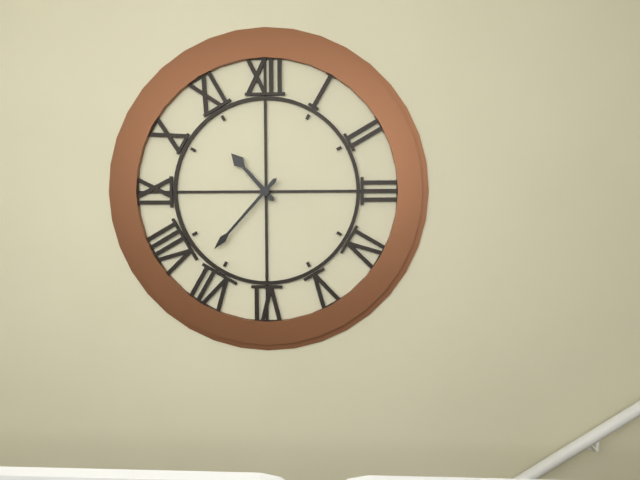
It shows 10:37
